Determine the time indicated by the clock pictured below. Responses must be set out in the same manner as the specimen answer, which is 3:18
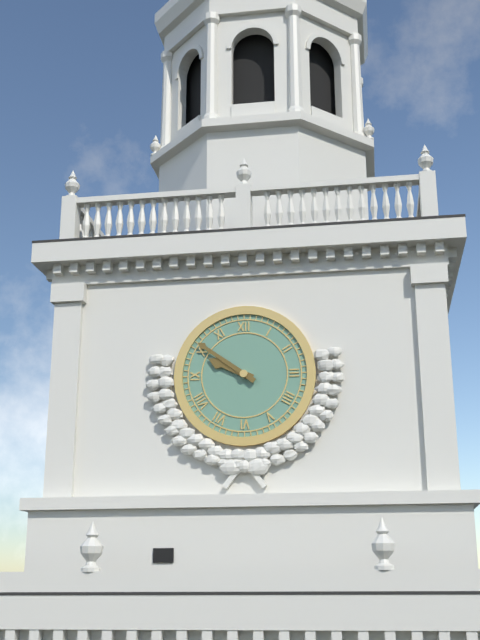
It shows 9:51
